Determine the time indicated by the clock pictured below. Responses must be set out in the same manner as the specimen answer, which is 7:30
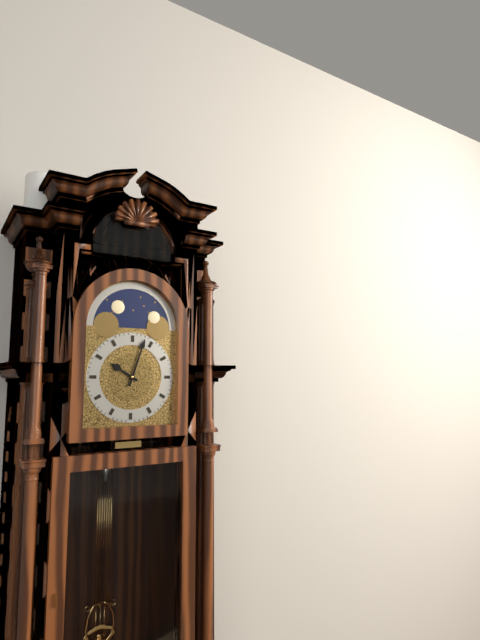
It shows 10:03
